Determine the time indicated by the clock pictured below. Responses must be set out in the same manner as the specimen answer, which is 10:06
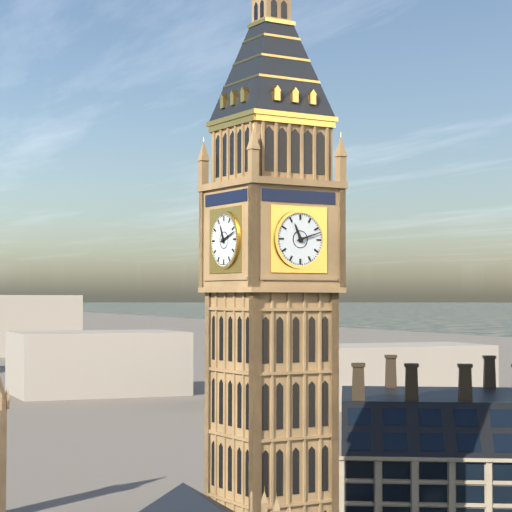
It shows 11:12
